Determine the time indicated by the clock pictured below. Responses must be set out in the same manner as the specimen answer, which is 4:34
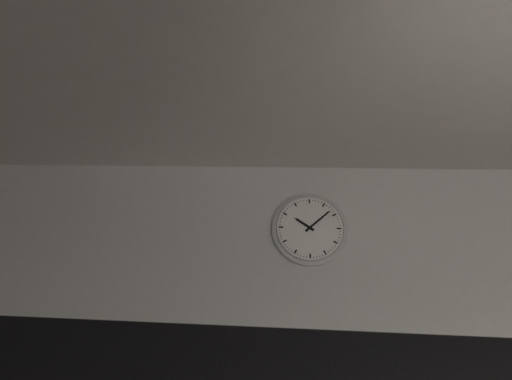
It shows 10:08
